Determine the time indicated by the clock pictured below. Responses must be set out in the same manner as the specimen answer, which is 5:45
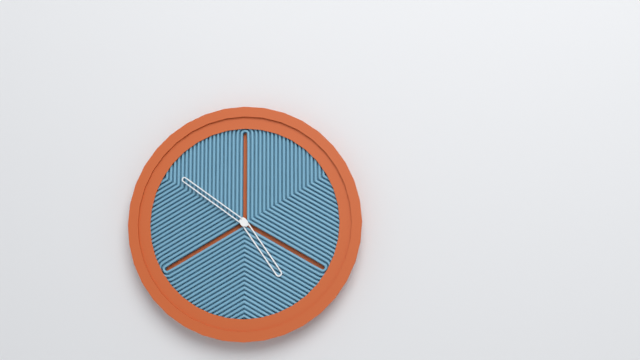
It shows 4:51
